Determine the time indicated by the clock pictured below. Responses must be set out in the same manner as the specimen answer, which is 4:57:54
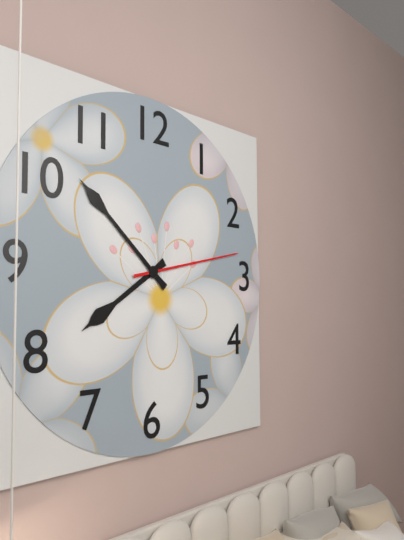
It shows 7:52:13
